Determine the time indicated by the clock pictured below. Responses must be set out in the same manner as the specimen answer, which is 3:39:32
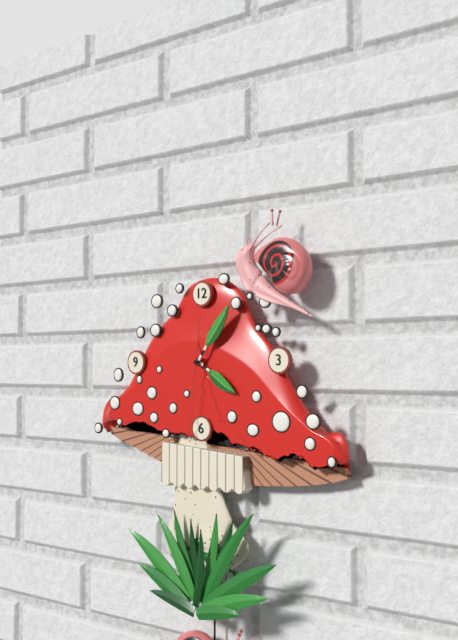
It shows 4:06:31
